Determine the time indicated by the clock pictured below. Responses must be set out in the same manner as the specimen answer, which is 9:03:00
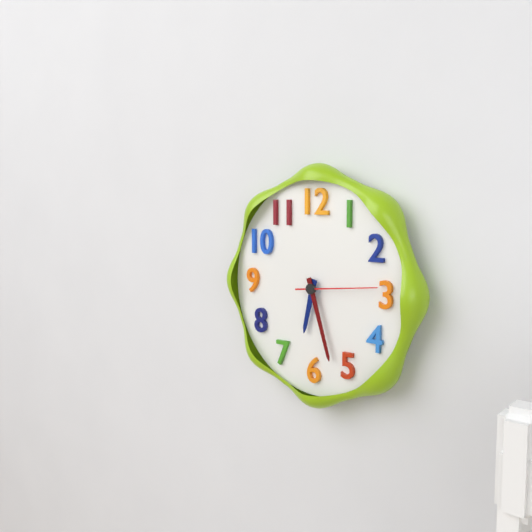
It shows 6:27:14
